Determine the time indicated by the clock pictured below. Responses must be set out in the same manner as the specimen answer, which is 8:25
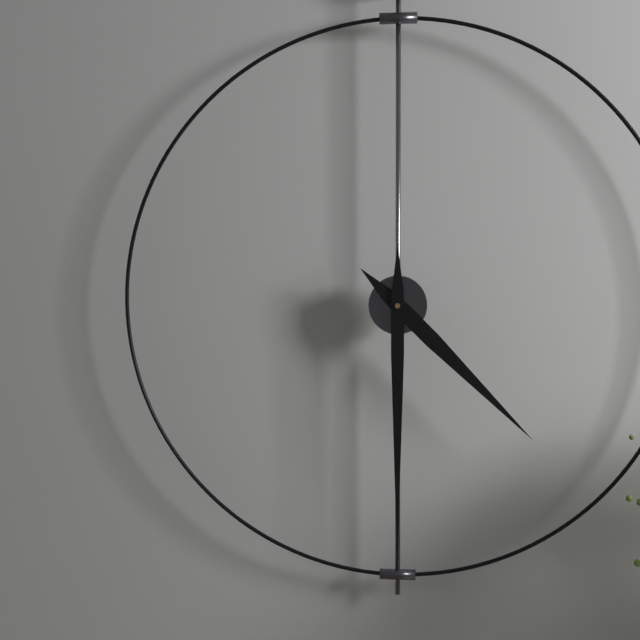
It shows 4:30
